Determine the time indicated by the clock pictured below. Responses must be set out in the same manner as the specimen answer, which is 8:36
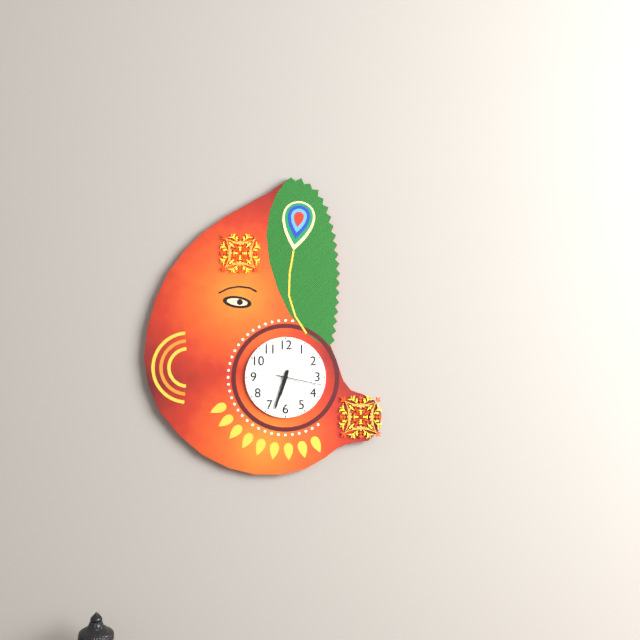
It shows 6:33
